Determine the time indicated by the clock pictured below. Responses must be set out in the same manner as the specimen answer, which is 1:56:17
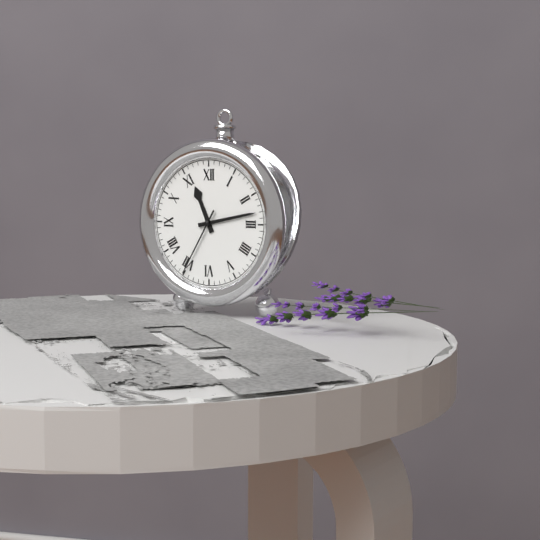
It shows 11:13:35
